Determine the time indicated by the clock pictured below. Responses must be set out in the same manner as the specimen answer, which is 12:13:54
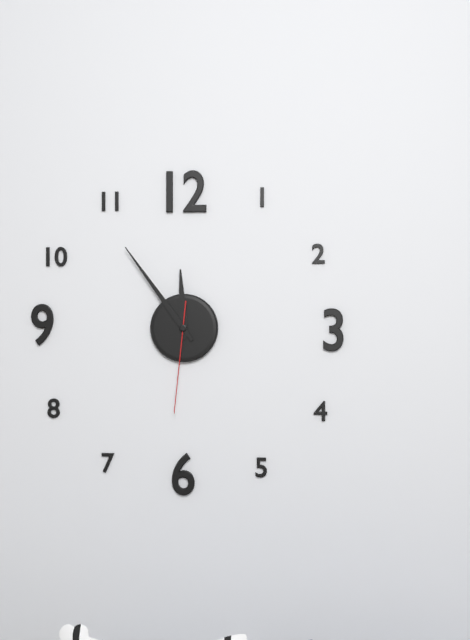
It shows 11:54:31
